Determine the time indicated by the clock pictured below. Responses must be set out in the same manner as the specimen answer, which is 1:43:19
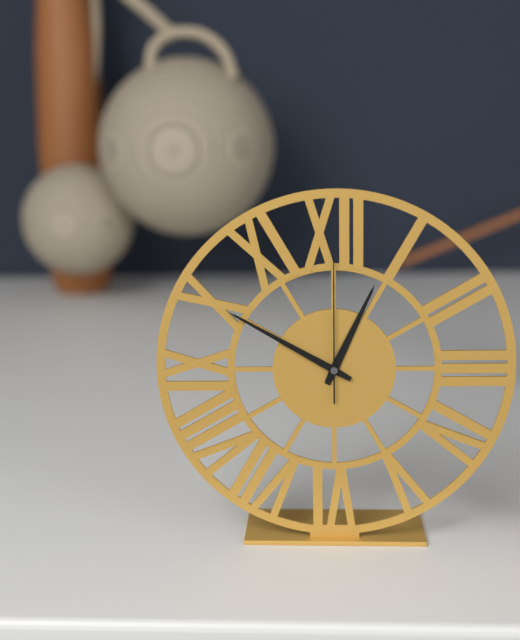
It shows 12:50:00
